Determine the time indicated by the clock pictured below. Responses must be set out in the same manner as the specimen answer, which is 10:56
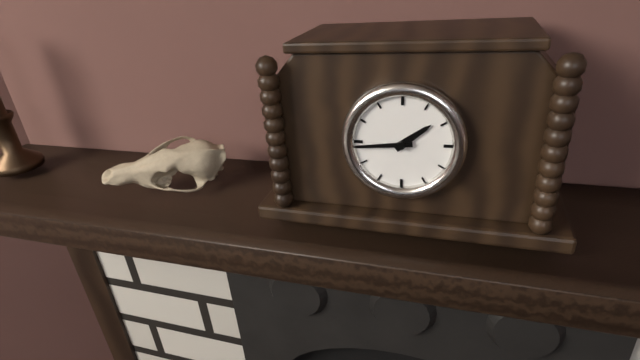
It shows 1:44
